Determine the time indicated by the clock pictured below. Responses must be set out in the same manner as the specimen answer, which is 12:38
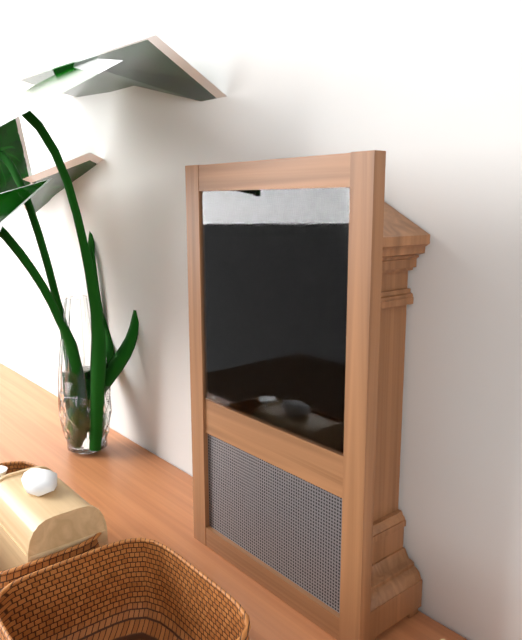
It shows 10:24
